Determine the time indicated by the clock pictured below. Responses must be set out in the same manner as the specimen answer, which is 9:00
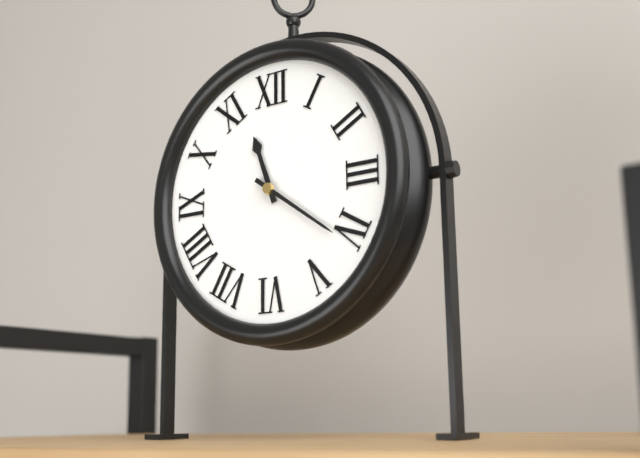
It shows 11:21
